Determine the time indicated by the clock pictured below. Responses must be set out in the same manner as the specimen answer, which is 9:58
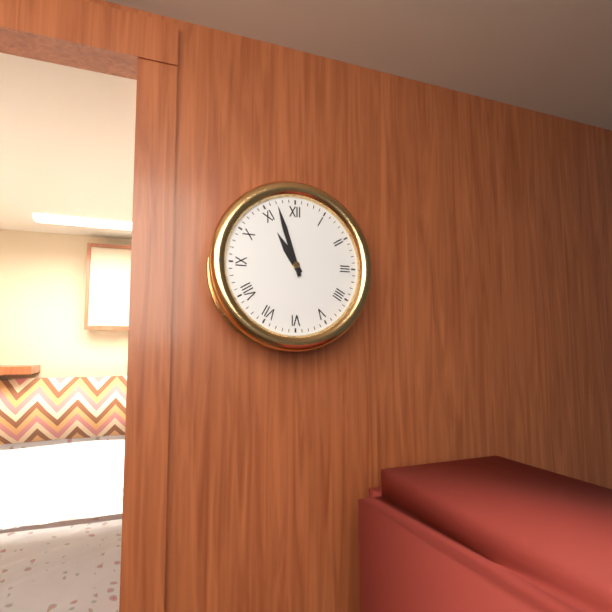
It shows 10:57
